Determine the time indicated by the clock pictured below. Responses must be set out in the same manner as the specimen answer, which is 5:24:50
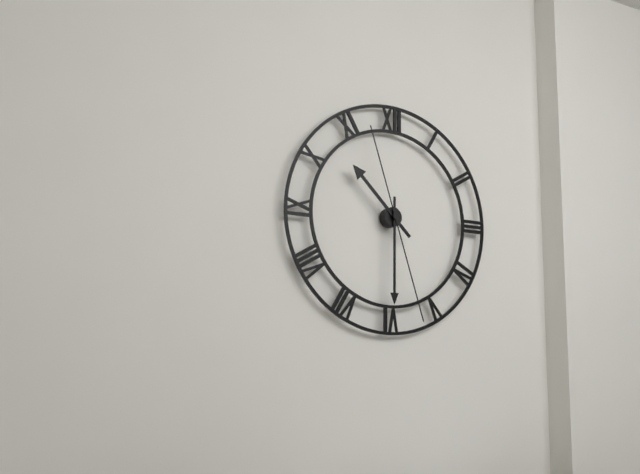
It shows 10:30:27
